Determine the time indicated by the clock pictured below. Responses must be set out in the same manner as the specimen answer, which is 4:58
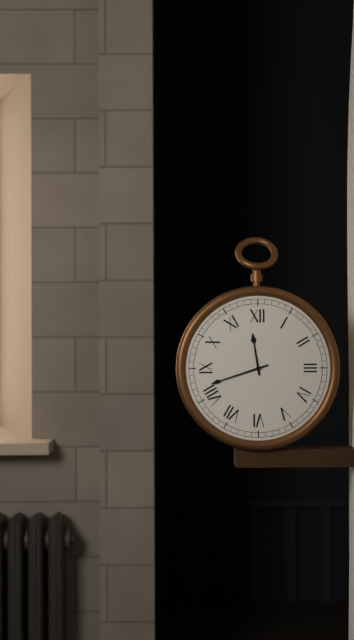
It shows 11:42
